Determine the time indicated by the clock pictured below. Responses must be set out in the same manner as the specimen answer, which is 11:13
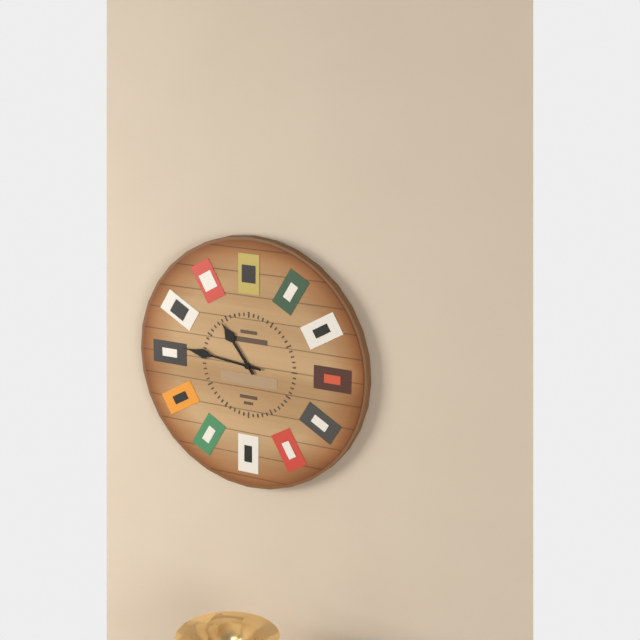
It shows 10:46
